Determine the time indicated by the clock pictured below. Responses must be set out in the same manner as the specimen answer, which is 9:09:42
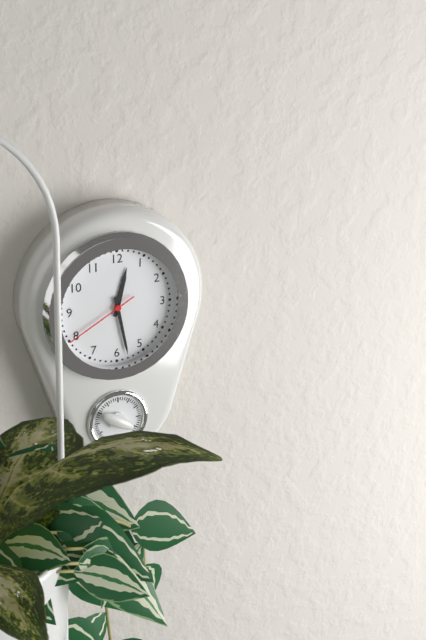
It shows 12:28:40
